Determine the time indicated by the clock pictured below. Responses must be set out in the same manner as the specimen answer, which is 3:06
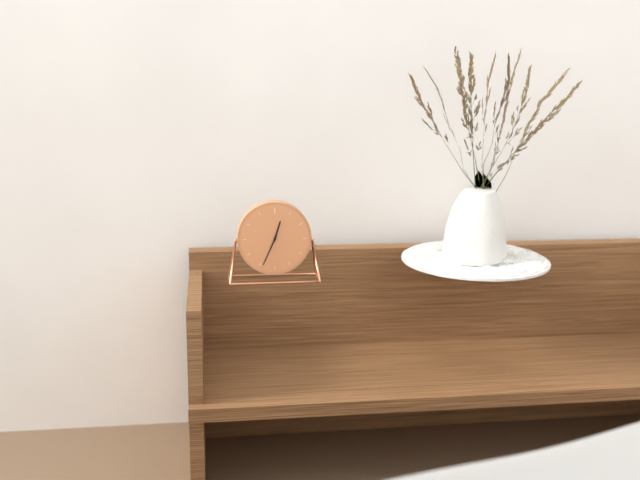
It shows 12:34
